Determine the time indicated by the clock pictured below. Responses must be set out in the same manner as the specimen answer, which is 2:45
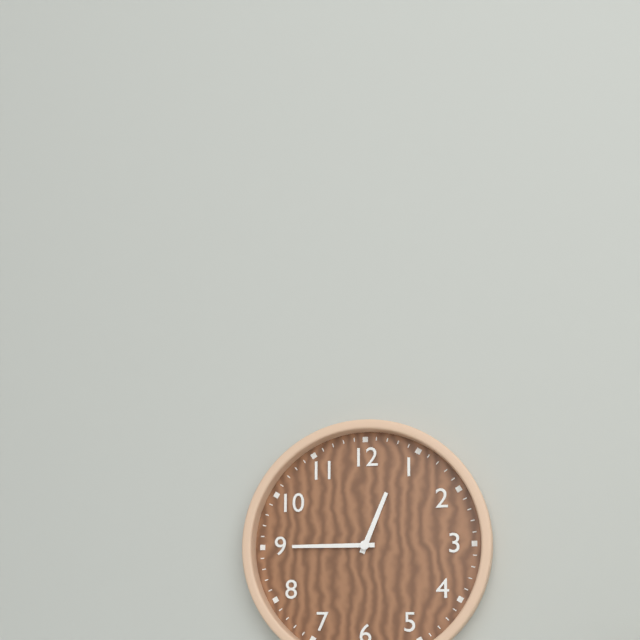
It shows 12:45
